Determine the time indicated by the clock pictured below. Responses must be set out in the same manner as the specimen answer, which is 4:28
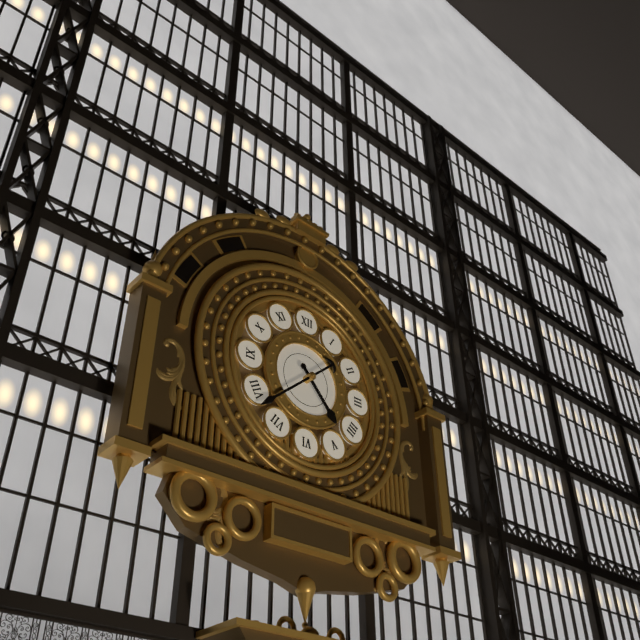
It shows 4:38
